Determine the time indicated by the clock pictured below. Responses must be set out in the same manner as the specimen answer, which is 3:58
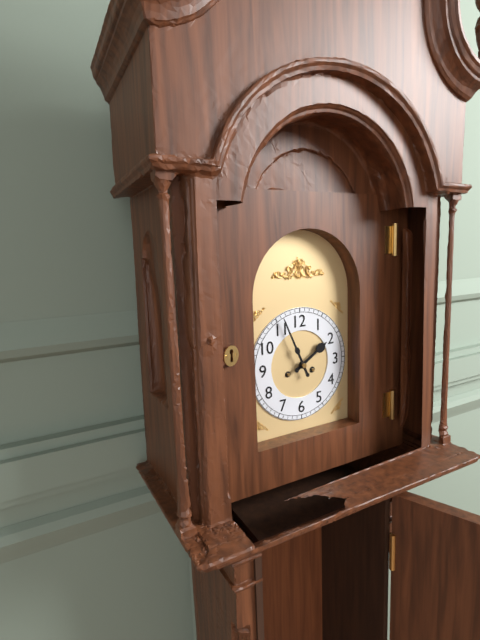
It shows 1:56
